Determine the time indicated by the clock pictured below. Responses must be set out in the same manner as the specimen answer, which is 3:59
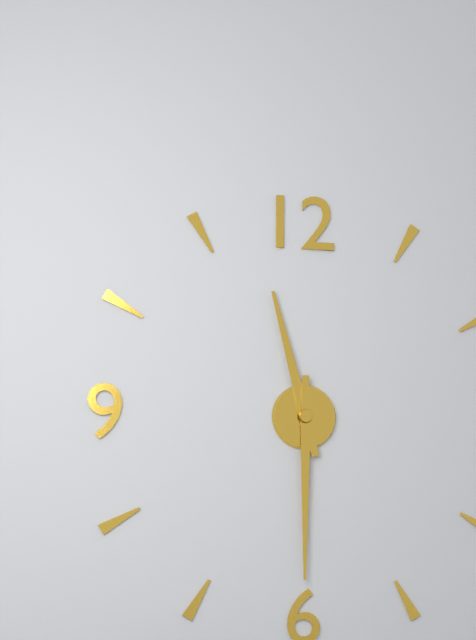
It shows 11:30
